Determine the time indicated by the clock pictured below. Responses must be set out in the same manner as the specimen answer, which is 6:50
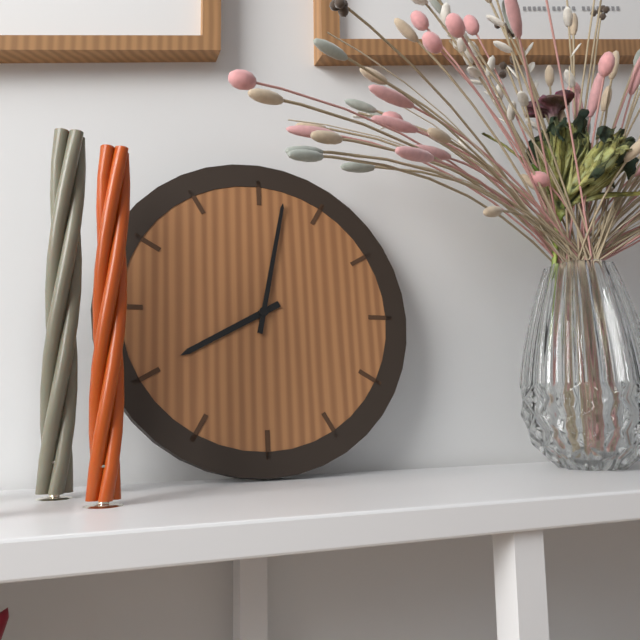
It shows 8:02
